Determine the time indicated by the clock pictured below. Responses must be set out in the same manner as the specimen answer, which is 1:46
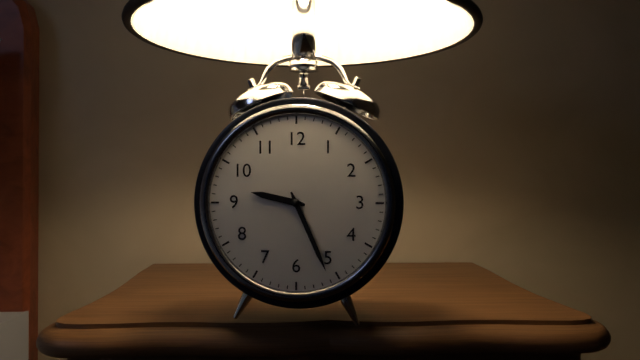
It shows 9:26
